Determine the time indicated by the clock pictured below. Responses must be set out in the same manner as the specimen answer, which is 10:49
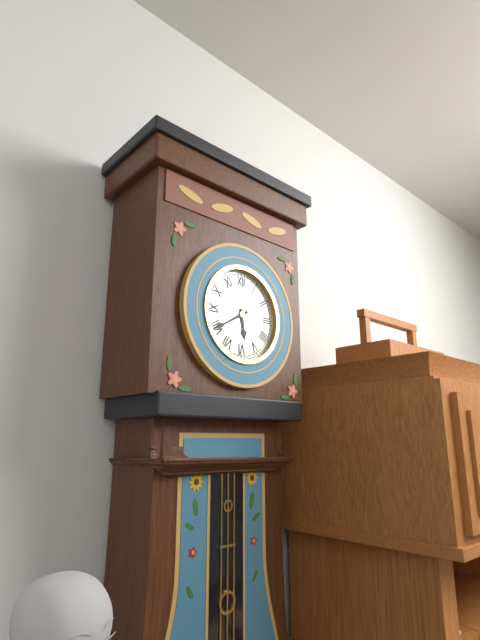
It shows 5:40
